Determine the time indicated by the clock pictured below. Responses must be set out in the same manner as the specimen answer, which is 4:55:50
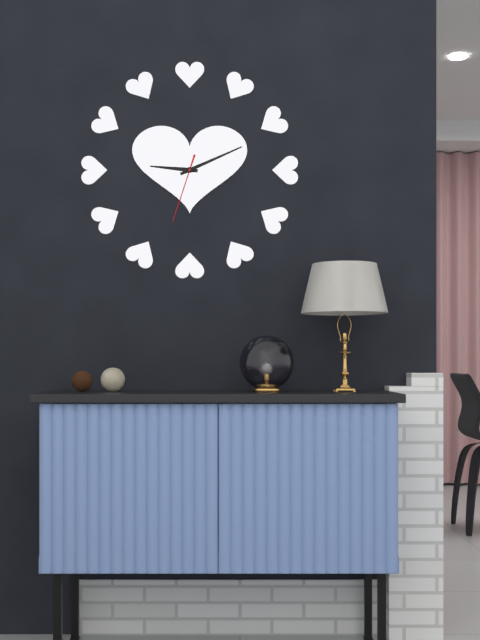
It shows 9:11:33
